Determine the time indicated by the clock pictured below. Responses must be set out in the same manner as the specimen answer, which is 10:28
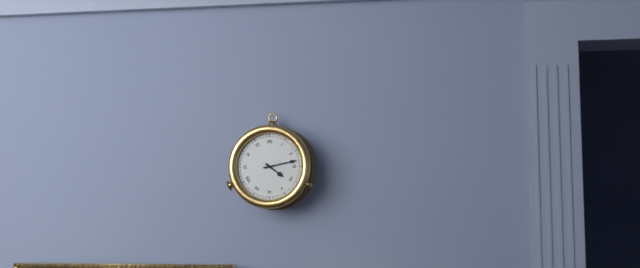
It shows 4:13
